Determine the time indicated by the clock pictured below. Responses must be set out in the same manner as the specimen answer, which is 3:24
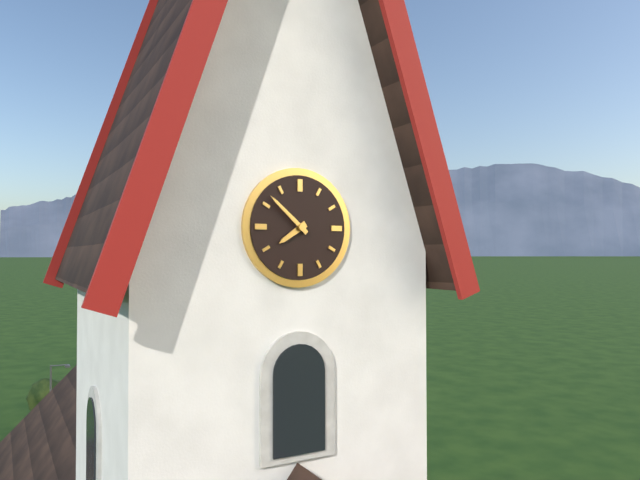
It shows 7:52
